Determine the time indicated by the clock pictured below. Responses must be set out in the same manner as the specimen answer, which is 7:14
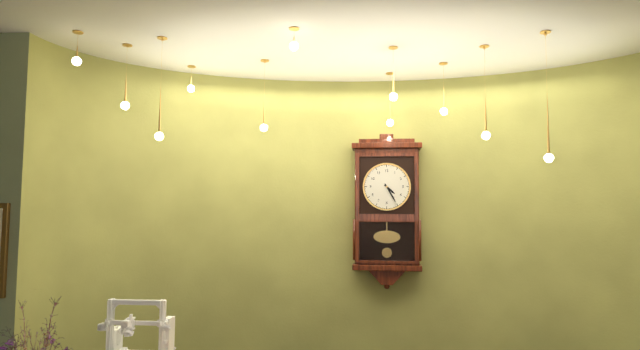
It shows 4:25
